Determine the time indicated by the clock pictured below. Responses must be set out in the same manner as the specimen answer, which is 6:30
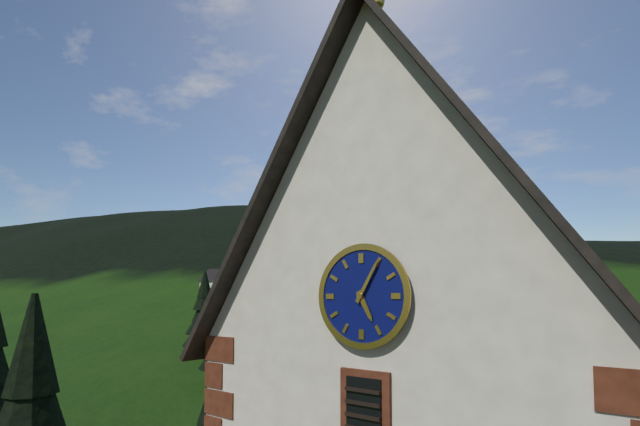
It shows 5:05
